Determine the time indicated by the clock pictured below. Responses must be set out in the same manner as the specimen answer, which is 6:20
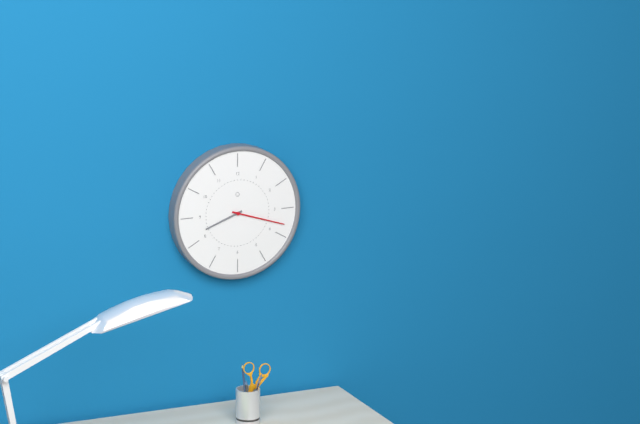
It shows 8:18
